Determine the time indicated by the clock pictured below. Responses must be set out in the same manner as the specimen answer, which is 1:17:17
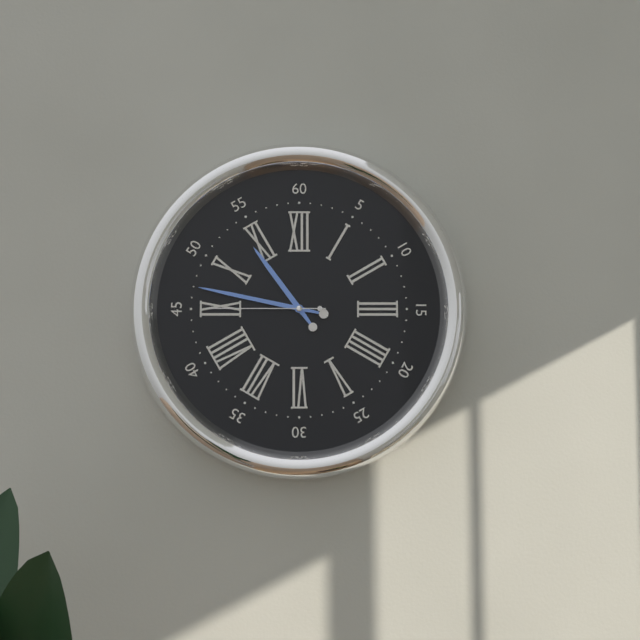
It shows 10:47:45
